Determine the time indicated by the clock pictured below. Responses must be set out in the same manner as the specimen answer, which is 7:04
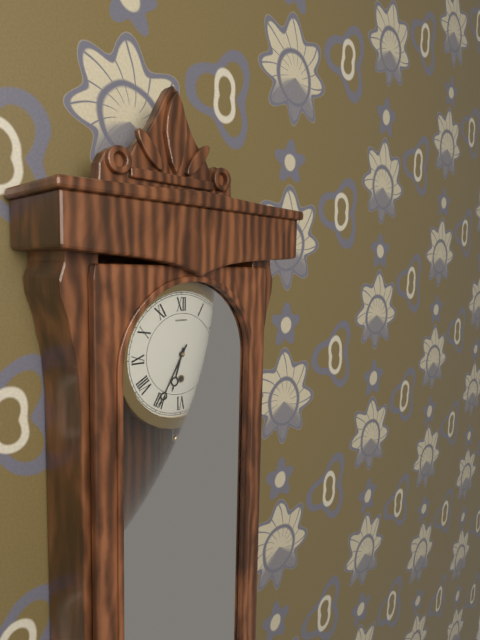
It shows 6:35
